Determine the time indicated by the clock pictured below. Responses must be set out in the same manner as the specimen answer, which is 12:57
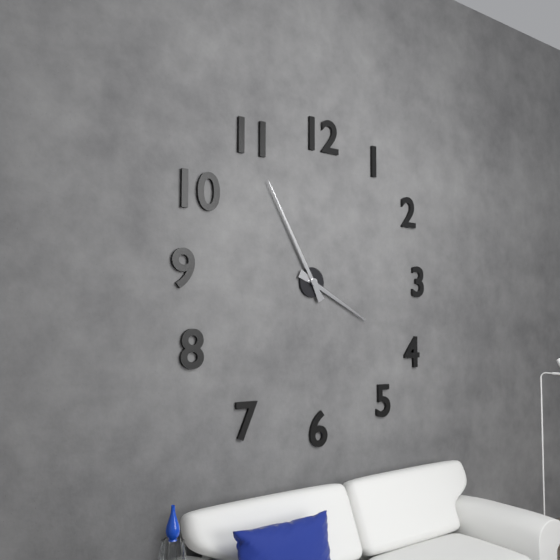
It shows 3:55
